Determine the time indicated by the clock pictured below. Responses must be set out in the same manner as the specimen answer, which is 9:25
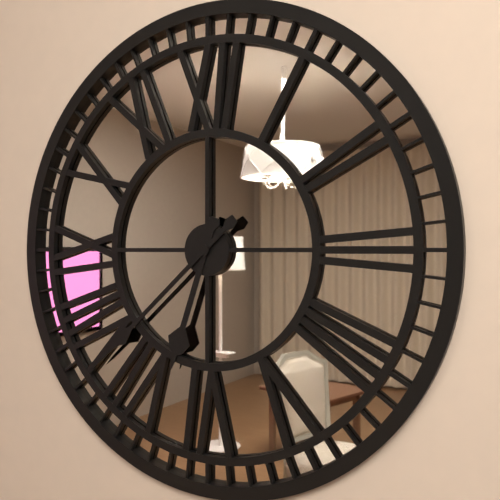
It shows 6:38
